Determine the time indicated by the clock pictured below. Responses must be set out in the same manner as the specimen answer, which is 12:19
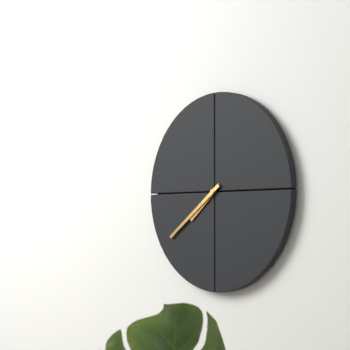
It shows 7:39
